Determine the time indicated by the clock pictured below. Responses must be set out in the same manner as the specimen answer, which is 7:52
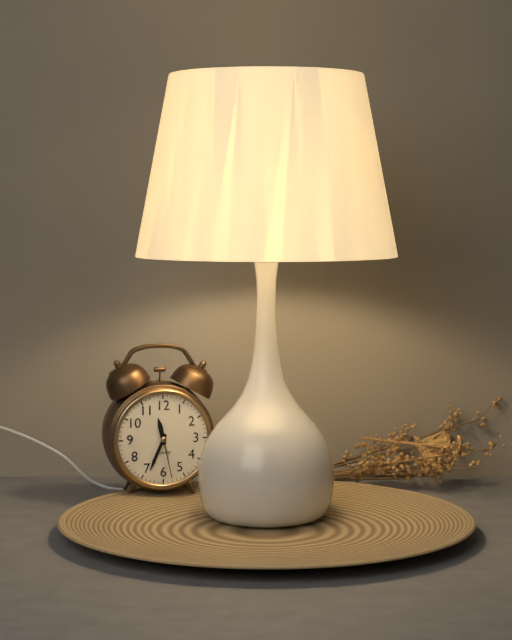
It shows 11:34
